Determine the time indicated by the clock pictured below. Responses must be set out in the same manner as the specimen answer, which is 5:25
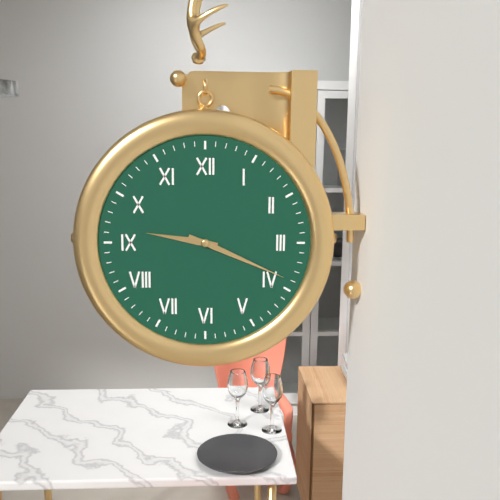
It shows 9:19
